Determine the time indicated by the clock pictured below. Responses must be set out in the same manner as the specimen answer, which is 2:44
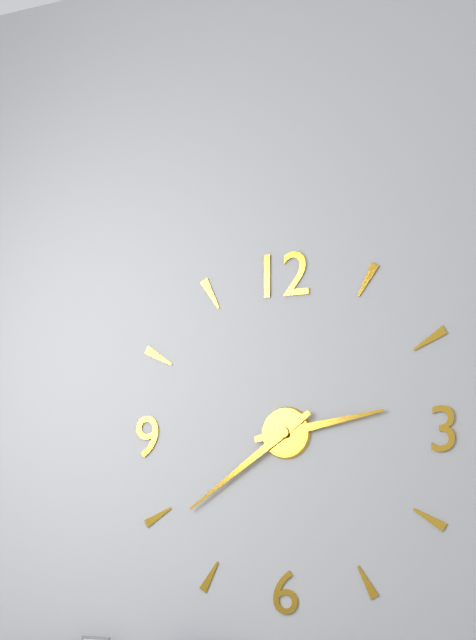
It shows 2:39
